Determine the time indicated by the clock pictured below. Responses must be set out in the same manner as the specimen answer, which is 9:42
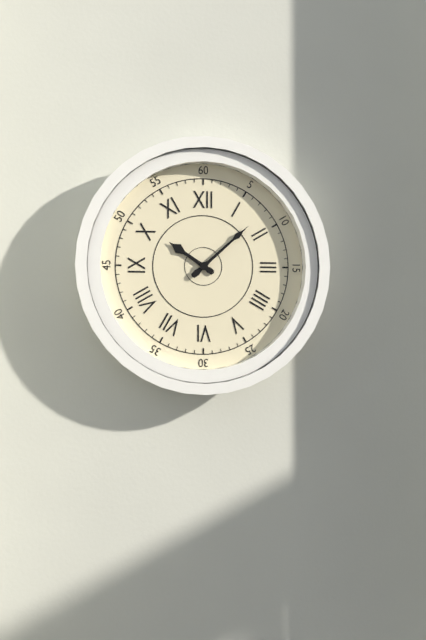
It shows 10:08
